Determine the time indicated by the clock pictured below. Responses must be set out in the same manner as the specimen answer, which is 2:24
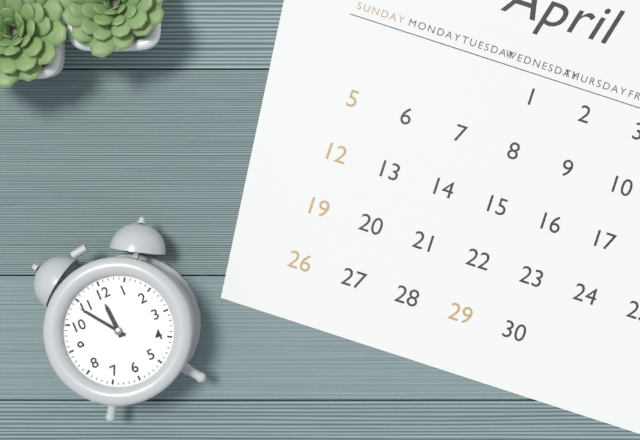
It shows 11:54
